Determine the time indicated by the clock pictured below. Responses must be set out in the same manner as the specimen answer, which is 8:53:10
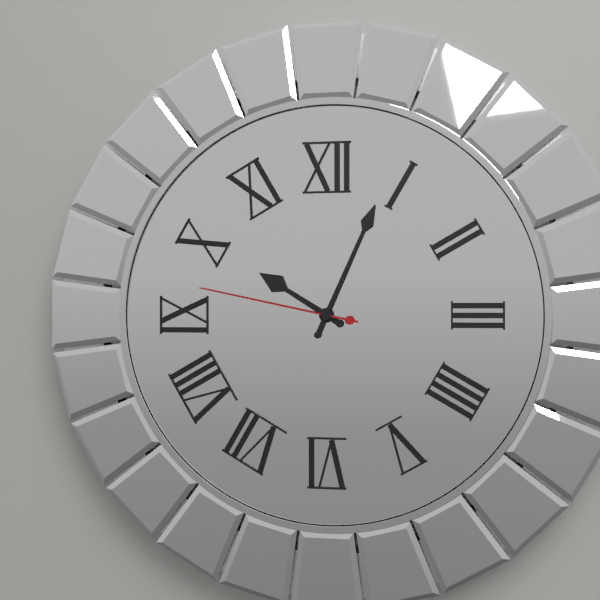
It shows 10:04:47
